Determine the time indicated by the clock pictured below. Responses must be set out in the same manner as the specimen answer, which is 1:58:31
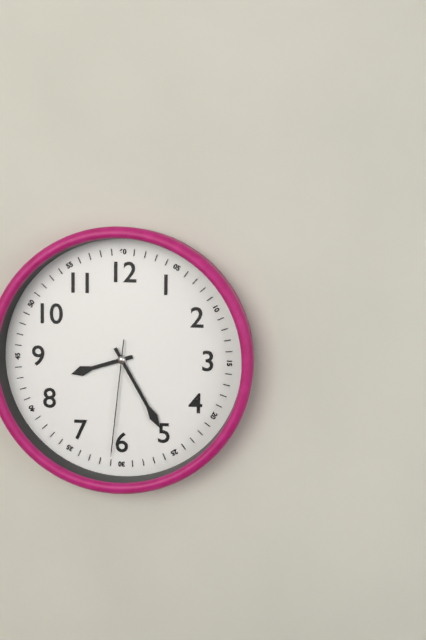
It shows 8:25:31
